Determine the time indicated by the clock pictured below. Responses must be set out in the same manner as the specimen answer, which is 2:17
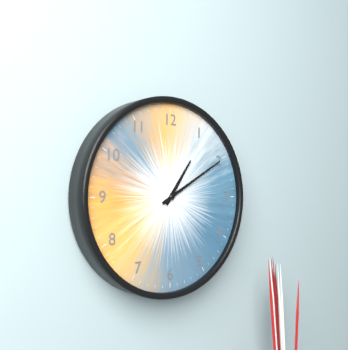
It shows 1:10
